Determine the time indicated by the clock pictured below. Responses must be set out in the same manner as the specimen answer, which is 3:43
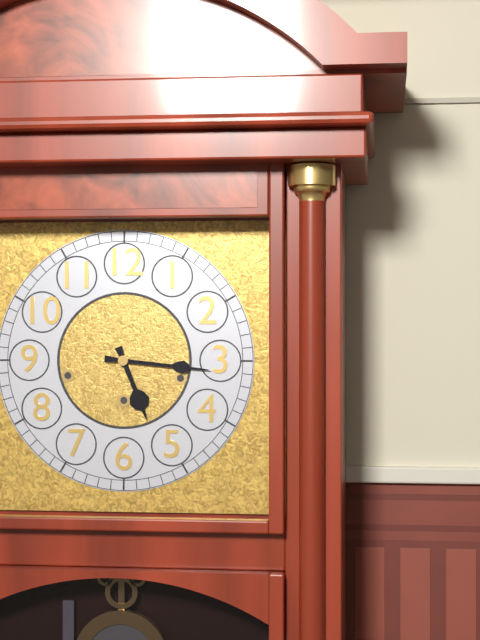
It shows 5:16
